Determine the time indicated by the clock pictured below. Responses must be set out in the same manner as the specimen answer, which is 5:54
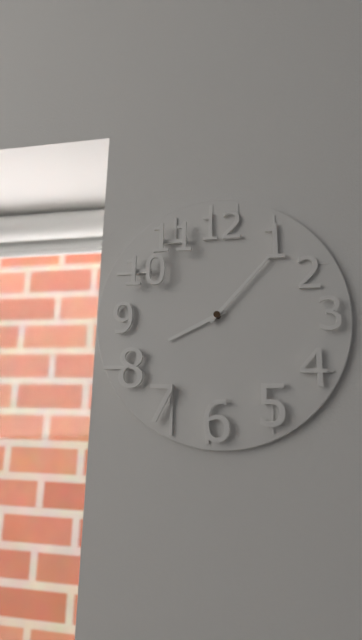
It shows 8:07
